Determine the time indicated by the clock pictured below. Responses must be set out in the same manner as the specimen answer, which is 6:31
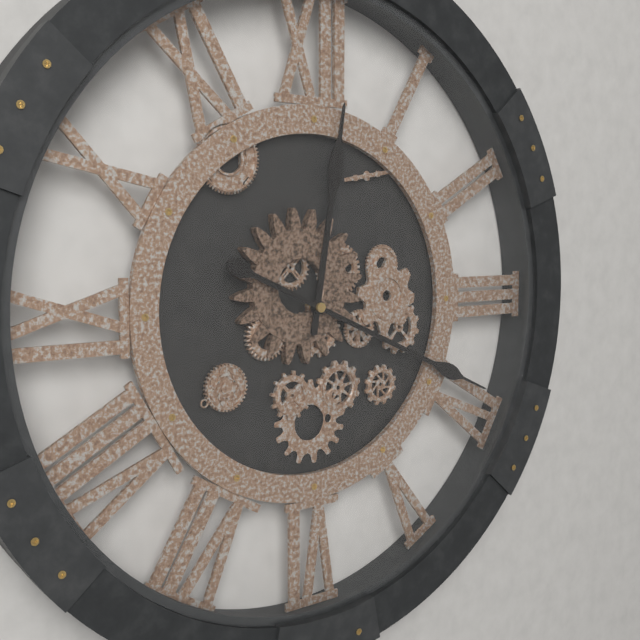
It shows 12:19
